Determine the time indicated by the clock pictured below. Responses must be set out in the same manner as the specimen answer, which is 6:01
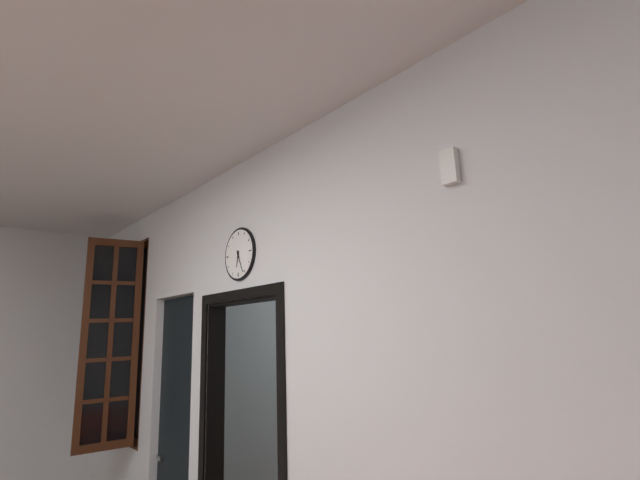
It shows 6:26
